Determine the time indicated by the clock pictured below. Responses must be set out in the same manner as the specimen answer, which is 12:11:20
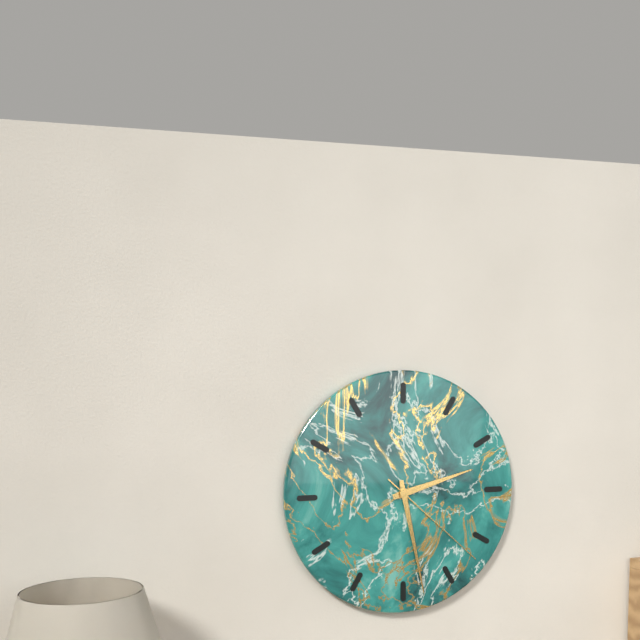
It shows 2:28:22
